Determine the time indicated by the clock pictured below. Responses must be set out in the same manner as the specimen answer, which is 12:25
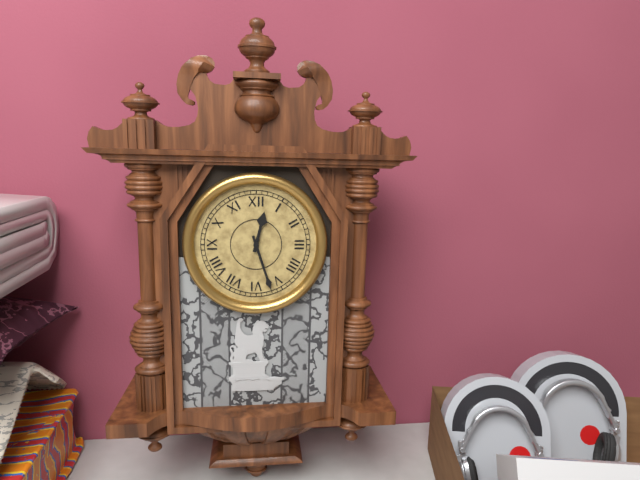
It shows 12:27
